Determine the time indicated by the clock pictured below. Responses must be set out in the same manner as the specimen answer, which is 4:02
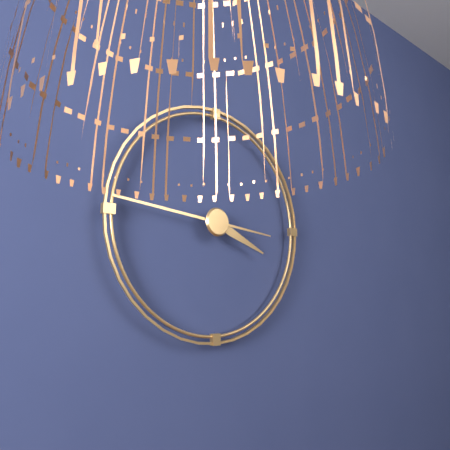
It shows 3:46
